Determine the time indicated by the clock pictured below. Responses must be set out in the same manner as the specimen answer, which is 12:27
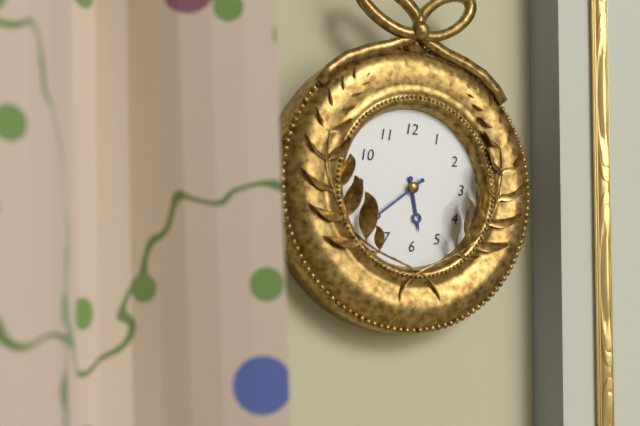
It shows 5:39
